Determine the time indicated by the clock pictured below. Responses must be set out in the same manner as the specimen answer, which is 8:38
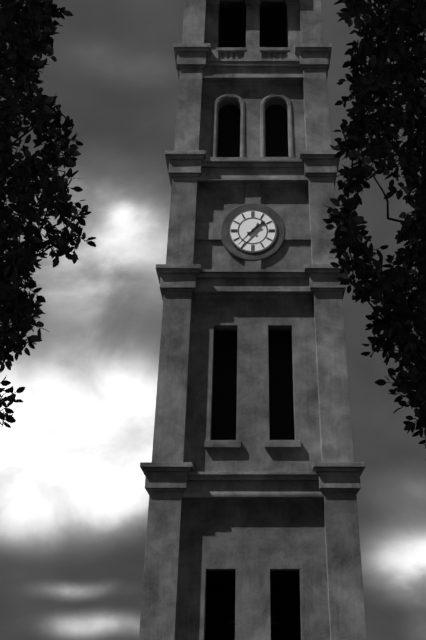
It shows 1:37
